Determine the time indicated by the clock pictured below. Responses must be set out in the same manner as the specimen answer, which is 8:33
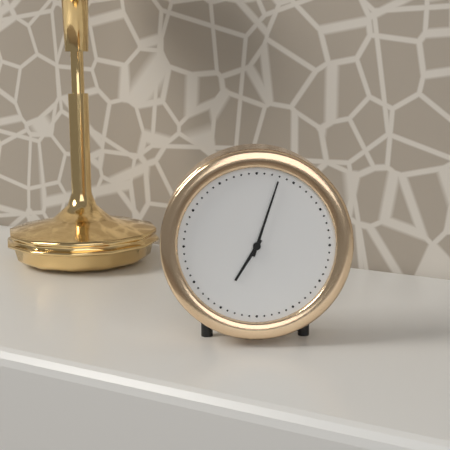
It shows 7:03
